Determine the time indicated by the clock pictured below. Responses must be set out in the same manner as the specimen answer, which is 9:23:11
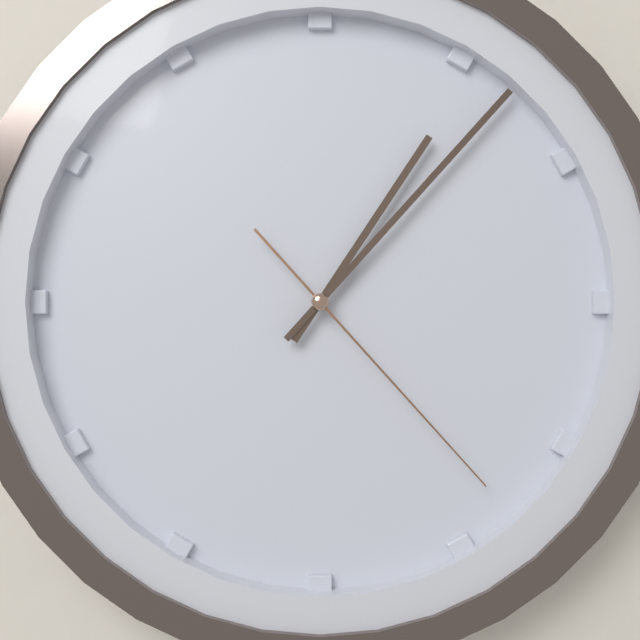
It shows 1:07:23
